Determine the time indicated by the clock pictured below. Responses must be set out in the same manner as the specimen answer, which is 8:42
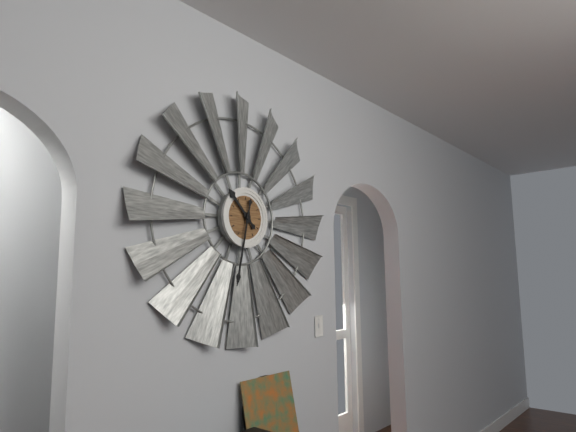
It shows 10:32
